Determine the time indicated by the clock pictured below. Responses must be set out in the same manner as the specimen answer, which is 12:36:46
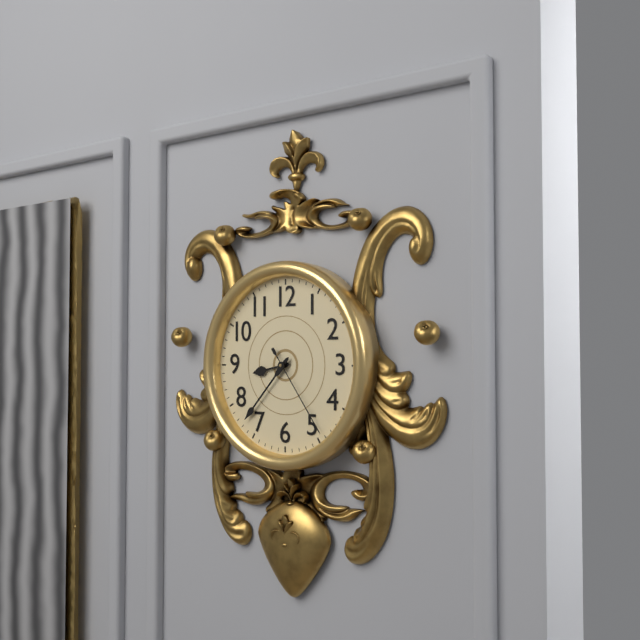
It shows 8:37:24
